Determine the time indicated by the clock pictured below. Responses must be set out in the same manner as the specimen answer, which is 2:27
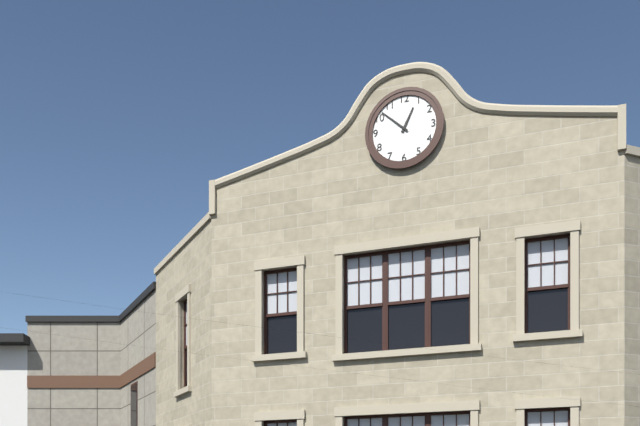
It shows 12:52
